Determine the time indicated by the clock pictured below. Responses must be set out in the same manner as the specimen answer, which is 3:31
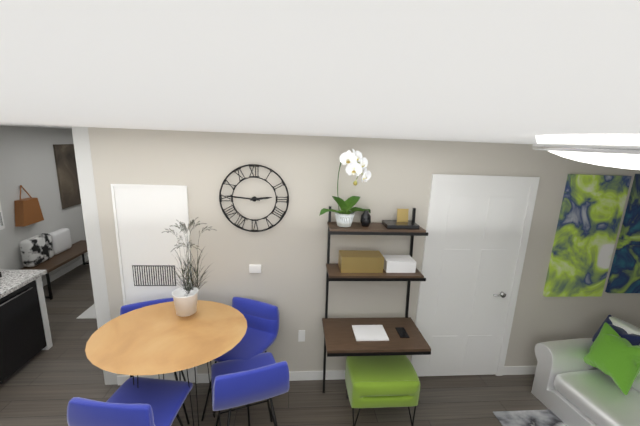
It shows 2:46
